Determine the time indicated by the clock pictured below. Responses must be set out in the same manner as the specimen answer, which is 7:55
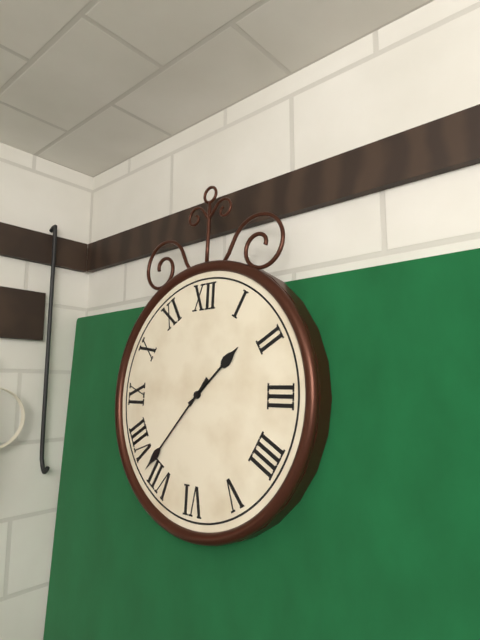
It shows 1:37
